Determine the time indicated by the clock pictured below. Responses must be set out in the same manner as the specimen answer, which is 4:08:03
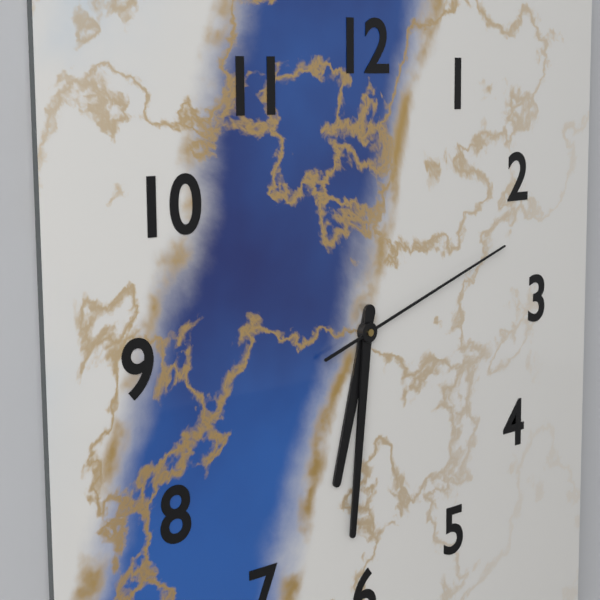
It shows 6:31:12
